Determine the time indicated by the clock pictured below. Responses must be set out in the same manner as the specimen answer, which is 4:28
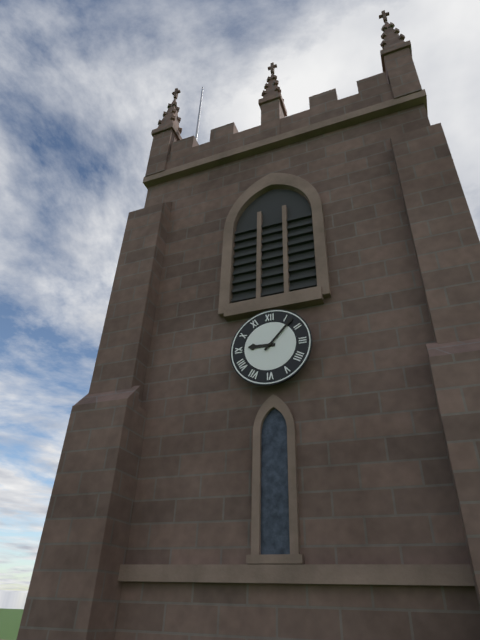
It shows 9:07
